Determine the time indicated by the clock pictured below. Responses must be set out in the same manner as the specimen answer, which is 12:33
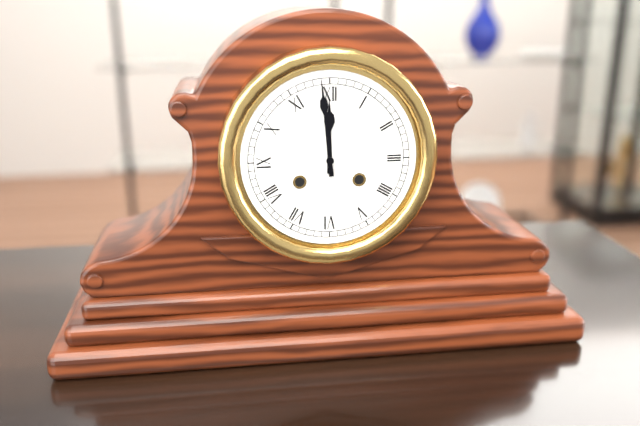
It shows 11:59
